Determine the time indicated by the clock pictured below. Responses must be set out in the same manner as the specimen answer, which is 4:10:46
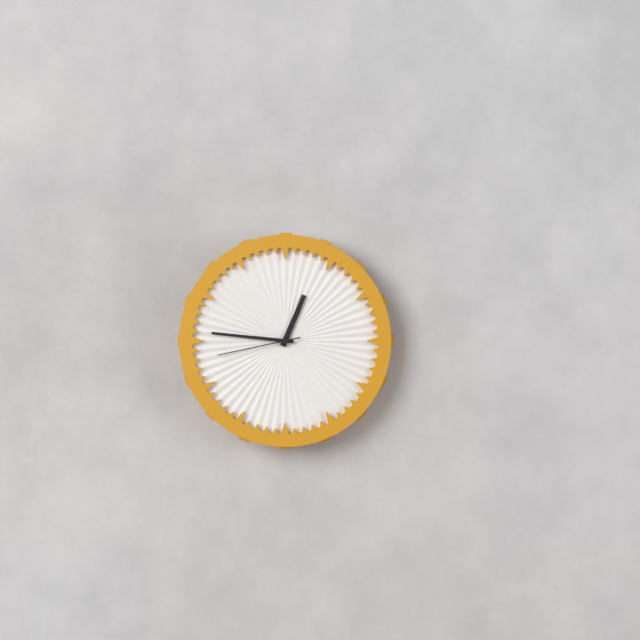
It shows 12:46:43
